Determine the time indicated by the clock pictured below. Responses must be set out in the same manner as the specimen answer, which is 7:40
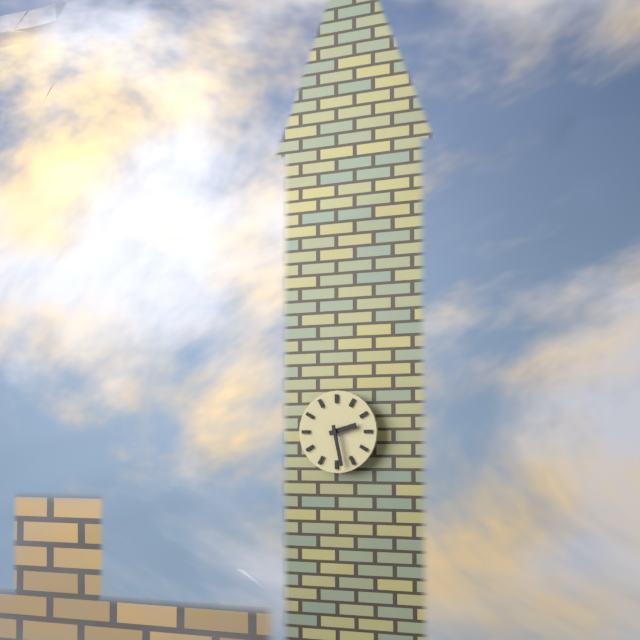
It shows 2:28
